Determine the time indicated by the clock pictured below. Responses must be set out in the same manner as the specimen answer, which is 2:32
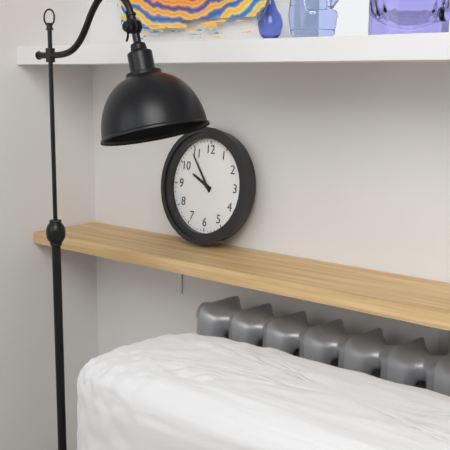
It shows 9:54
